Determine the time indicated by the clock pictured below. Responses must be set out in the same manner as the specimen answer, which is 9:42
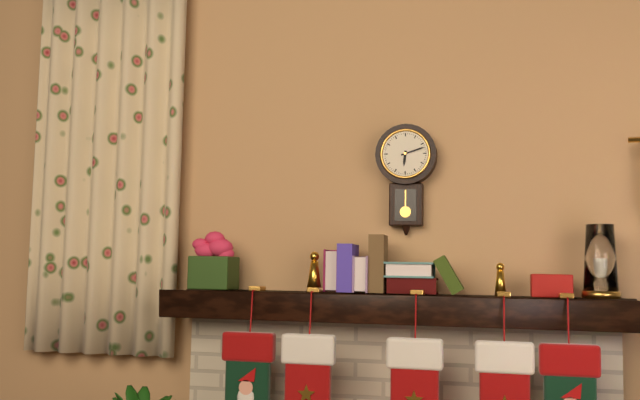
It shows 6:12
